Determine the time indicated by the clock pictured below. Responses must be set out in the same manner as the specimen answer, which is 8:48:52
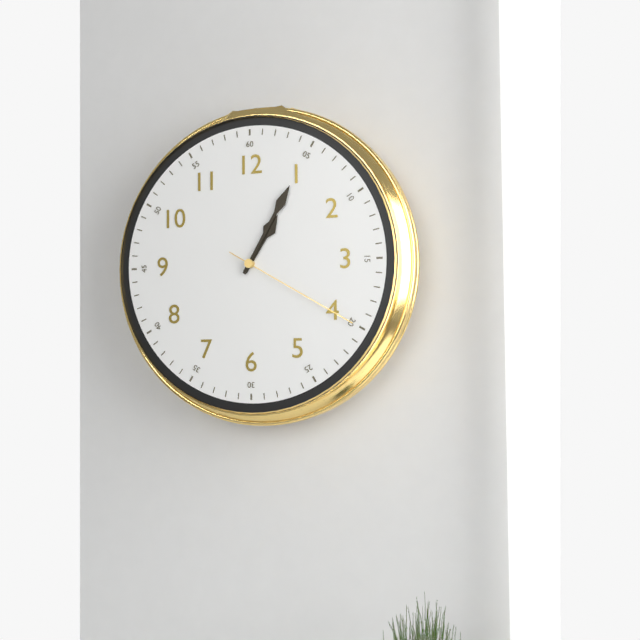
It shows 1:05:20
